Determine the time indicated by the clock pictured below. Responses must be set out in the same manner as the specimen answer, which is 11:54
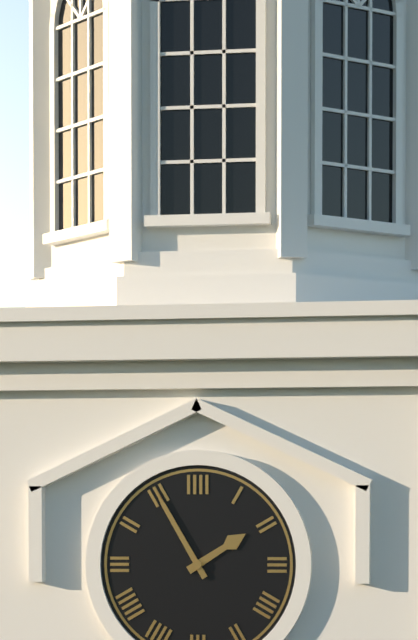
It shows 1:55
